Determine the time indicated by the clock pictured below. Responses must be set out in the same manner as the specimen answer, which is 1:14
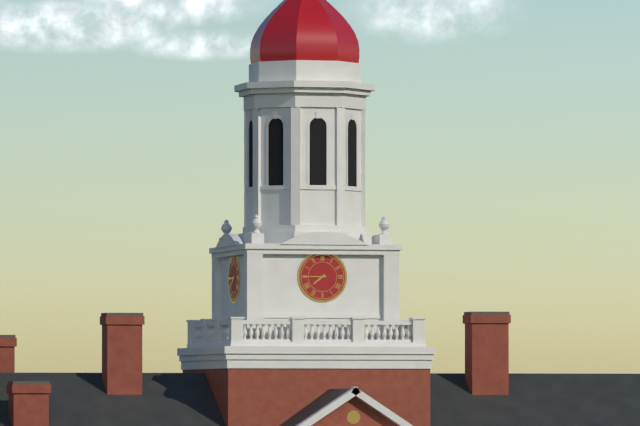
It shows 7:45
